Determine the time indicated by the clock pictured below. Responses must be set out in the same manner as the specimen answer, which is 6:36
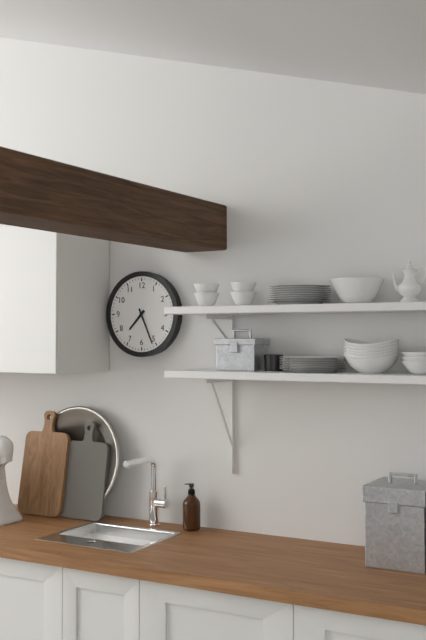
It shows 7:26
